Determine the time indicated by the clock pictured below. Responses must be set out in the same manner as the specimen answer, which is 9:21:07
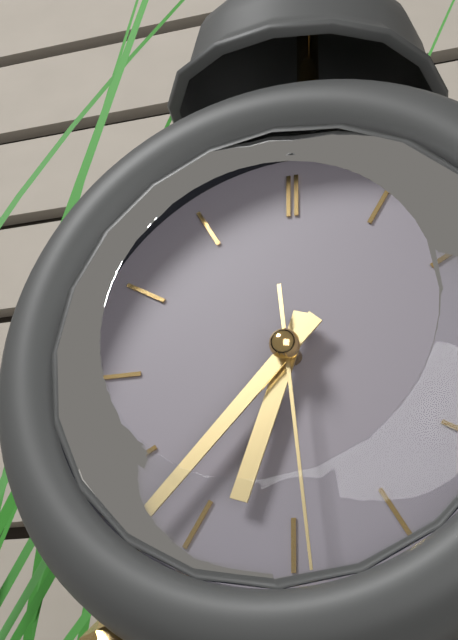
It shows 6:37:29
